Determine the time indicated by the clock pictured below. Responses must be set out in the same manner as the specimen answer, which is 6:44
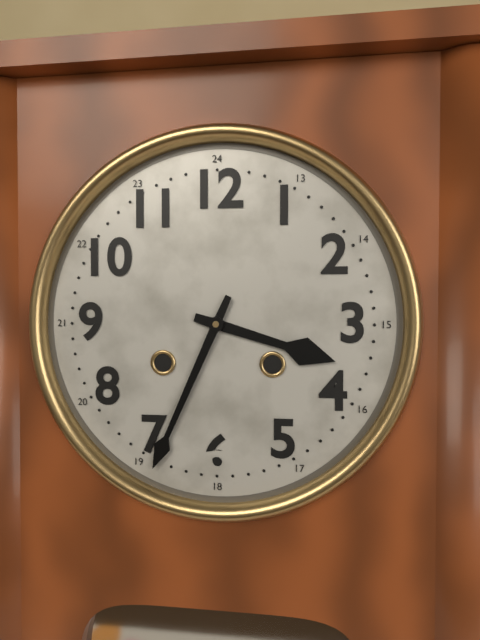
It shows 3:34
